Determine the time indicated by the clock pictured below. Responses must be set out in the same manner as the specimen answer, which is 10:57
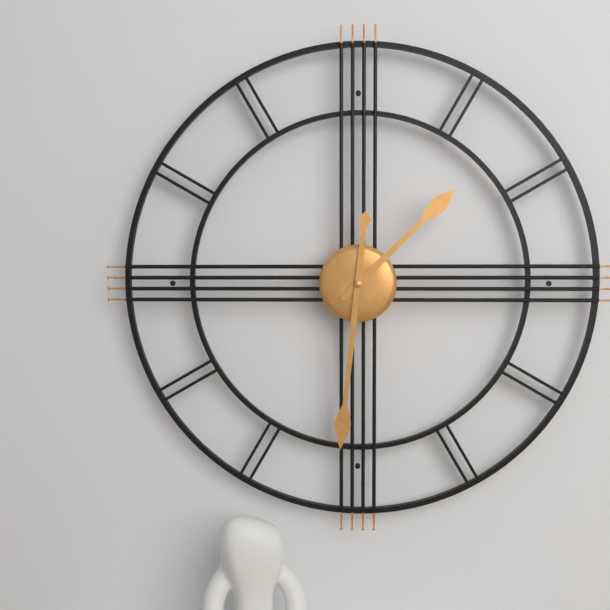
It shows 1:31
